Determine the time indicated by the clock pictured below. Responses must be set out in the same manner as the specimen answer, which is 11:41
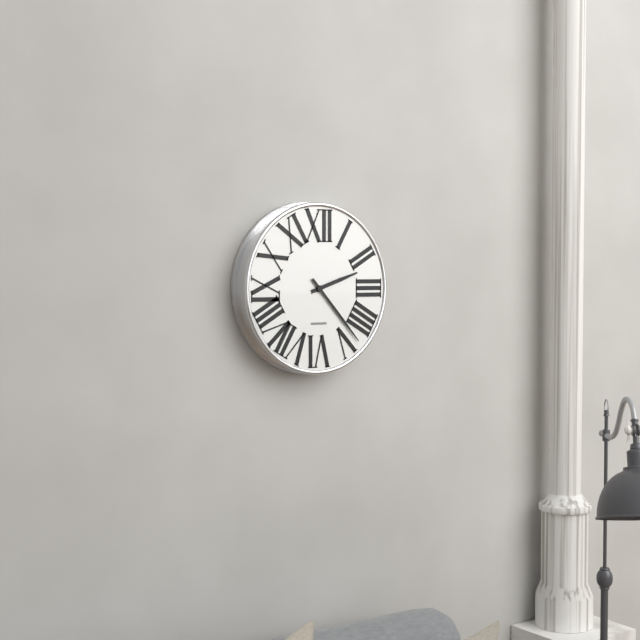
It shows 2:23
